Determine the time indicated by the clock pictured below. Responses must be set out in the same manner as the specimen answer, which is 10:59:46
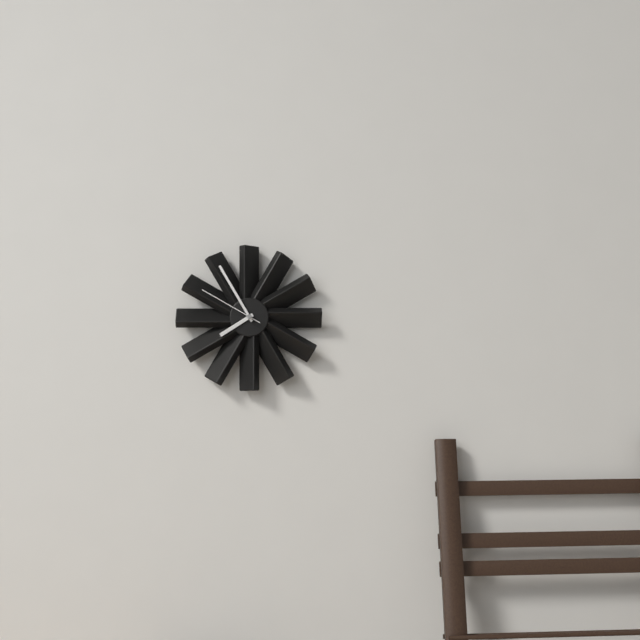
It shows 7:55:50
